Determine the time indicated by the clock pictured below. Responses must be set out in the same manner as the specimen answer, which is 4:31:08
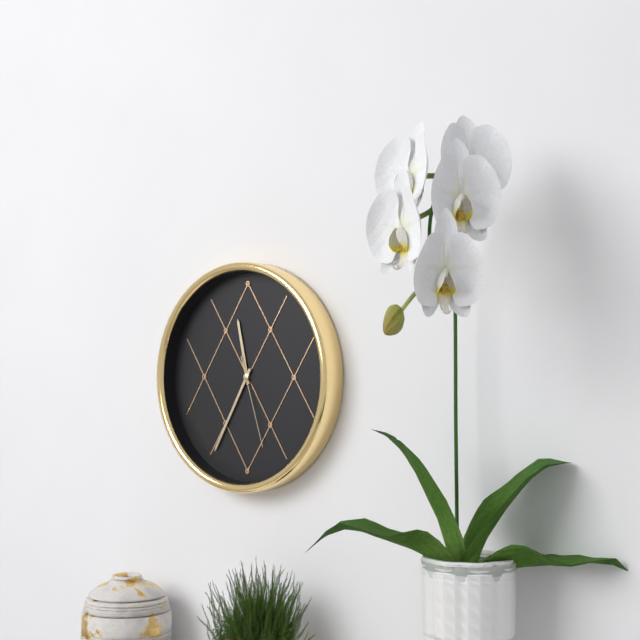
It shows 11:35:27
